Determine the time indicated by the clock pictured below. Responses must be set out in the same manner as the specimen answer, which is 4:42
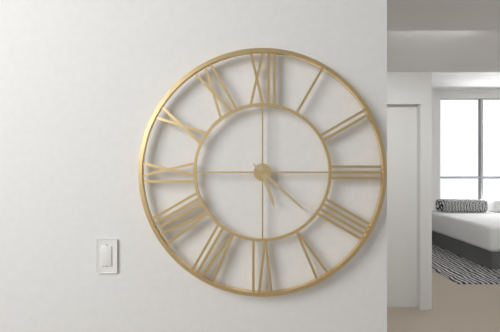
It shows 5:22
